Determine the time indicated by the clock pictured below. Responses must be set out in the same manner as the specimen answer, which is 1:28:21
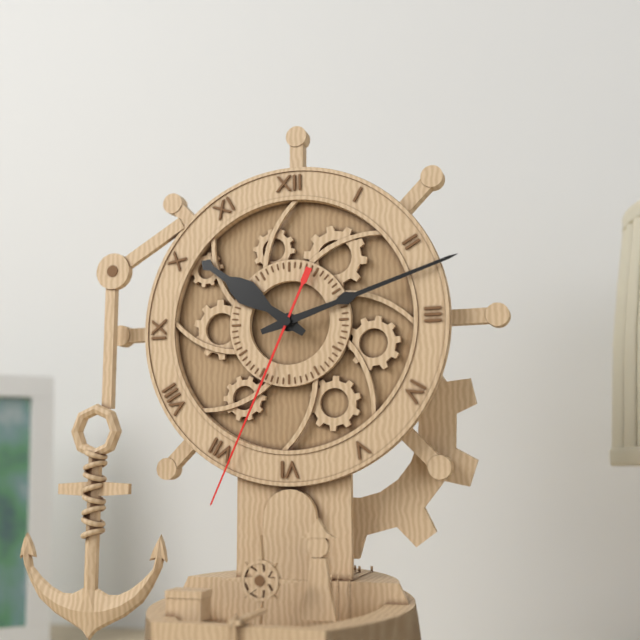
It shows 10:12:34
